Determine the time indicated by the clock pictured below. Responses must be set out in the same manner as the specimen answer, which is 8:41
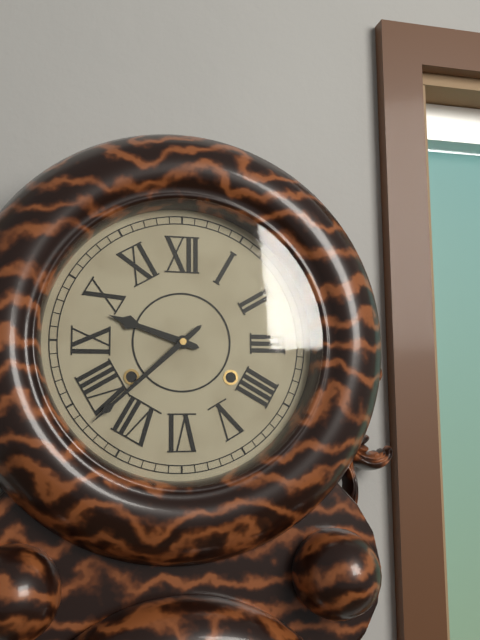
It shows 9:38
